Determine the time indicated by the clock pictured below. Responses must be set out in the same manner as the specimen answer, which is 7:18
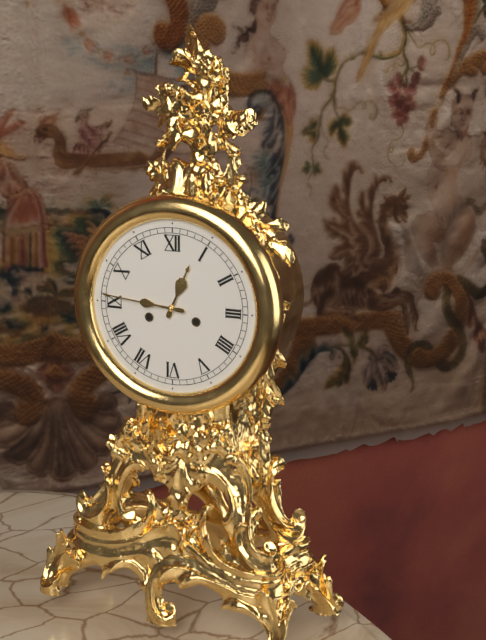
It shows 12:46
